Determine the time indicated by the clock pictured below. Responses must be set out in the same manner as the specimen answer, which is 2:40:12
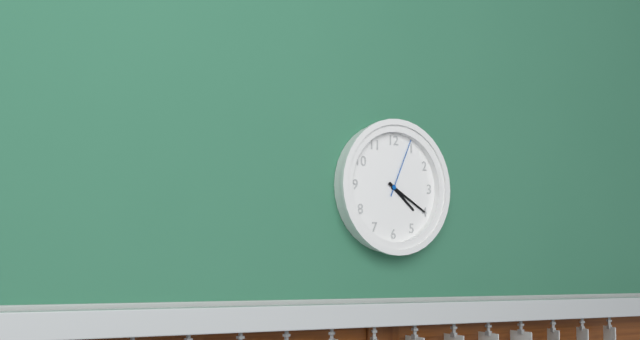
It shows 4:20:04
